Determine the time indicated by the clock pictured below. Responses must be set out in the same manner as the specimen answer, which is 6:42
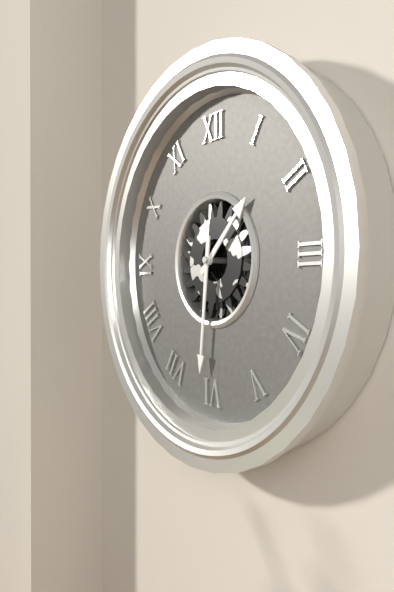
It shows 1:31
